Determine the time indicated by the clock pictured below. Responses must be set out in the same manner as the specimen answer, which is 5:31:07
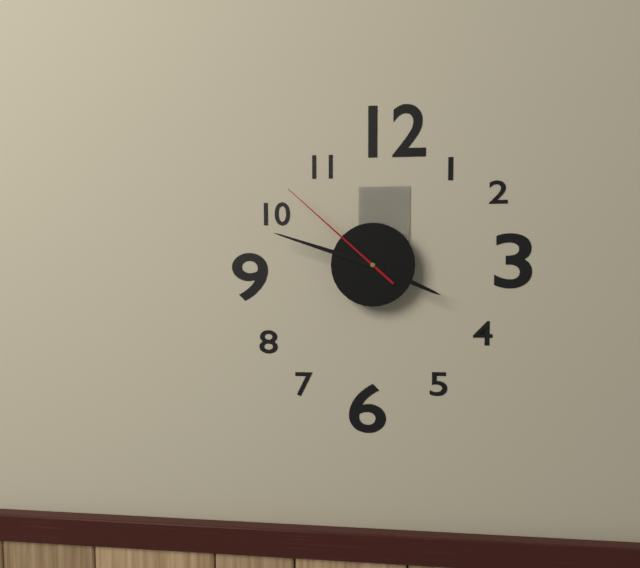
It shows 3:48:52
